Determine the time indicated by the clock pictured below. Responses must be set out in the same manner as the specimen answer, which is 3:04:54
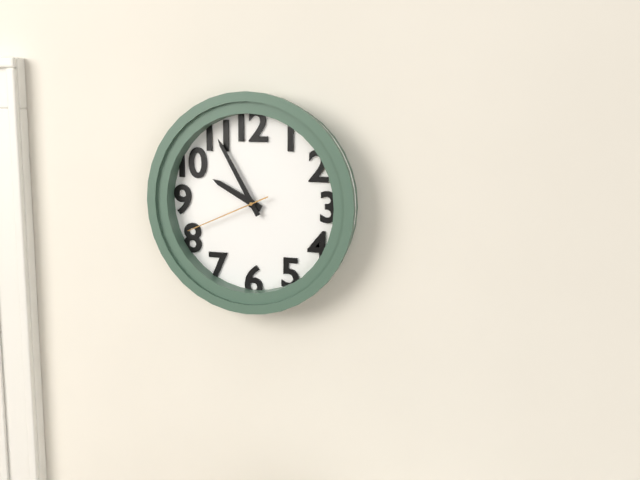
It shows 9:55:41
